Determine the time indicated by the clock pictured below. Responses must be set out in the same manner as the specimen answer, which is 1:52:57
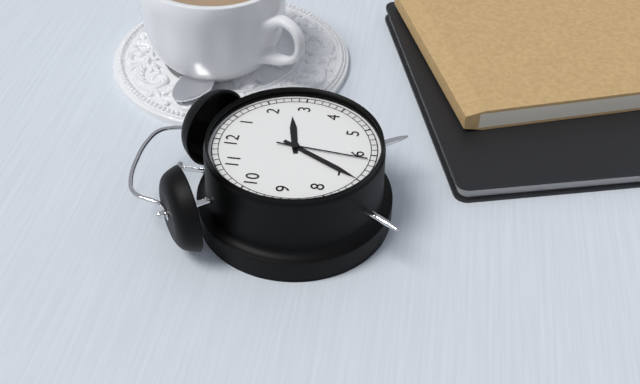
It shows 2:35:31
